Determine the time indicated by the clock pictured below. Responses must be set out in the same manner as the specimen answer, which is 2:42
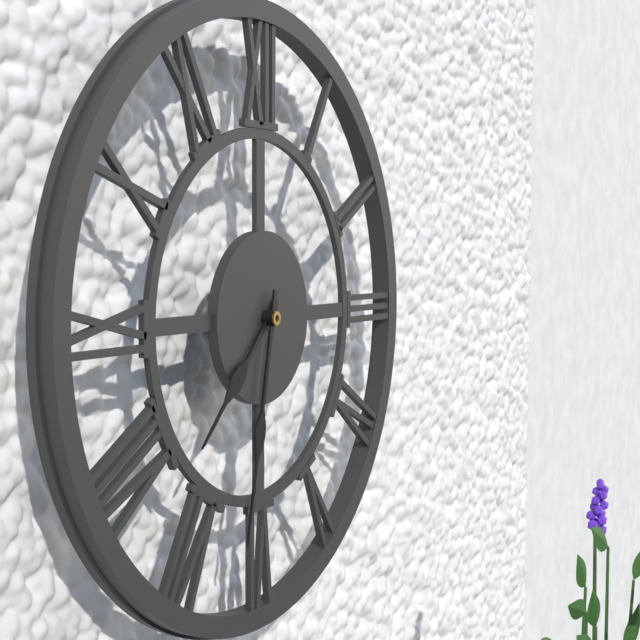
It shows 7:32
